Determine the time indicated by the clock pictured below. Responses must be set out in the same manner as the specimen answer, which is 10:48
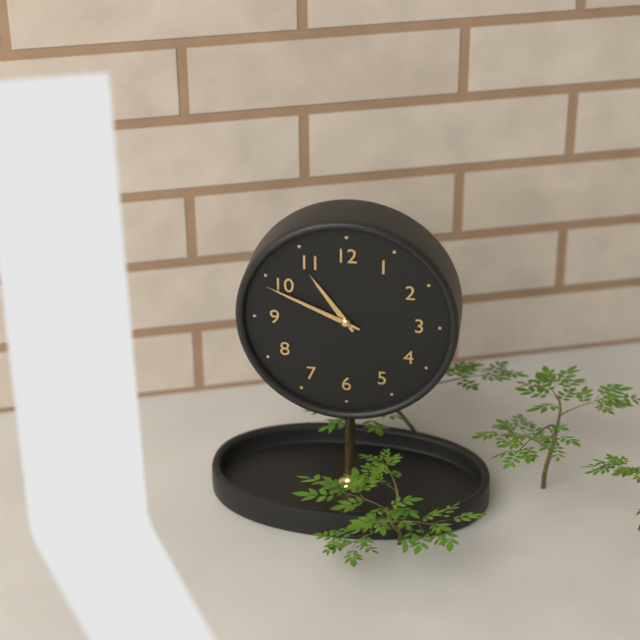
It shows 10:49
